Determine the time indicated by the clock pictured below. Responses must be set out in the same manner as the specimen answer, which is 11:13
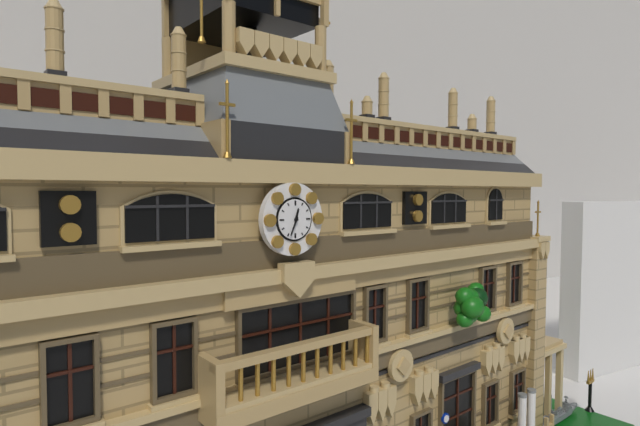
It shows 12:34
